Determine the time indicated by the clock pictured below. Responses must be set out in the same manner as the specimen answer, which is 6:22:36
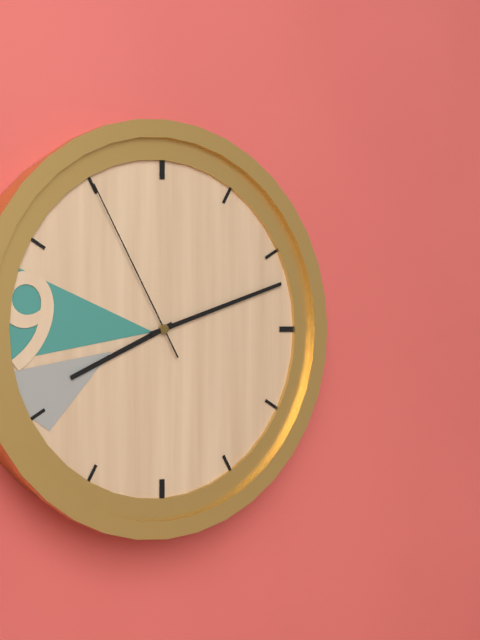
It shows 8:12:55
